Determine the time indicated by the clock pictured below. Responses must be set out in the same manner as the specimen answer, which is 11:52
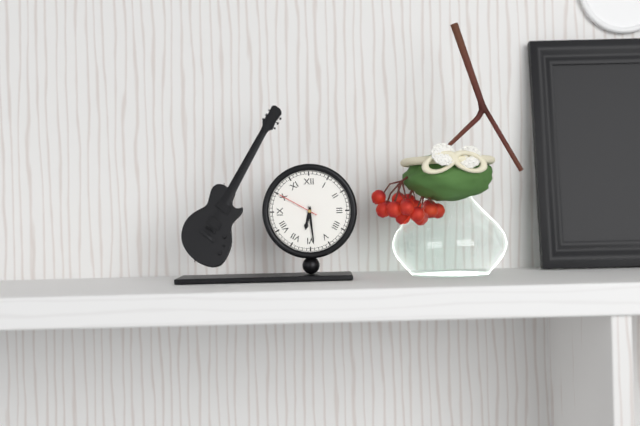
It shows 6:29
